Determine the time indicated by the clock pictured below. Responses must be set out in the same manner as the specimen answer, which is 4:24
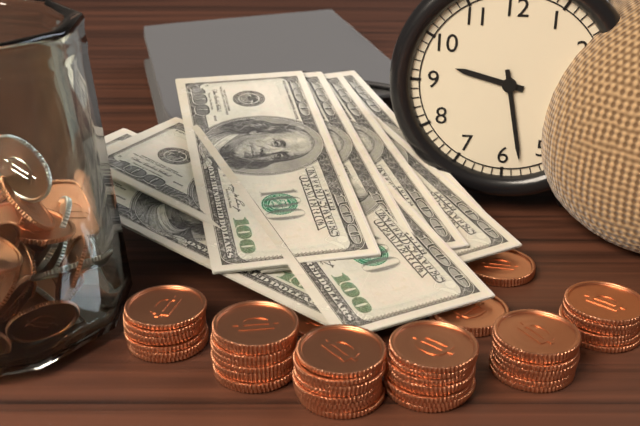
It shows 9:28
